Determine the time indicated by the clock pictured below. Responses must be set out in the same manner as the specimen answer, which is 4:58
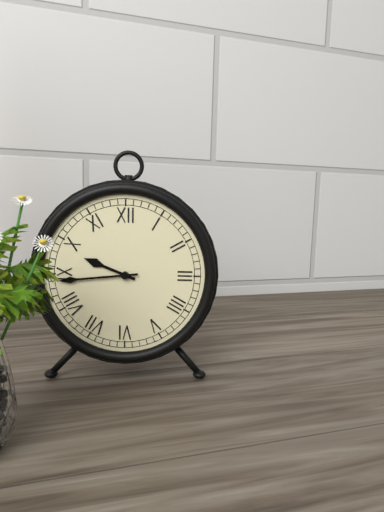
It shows 9:44
